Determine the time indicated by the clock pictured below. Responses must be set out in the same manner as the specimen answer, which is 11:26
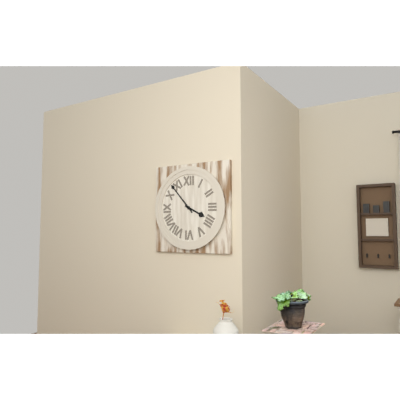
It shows 3:53
